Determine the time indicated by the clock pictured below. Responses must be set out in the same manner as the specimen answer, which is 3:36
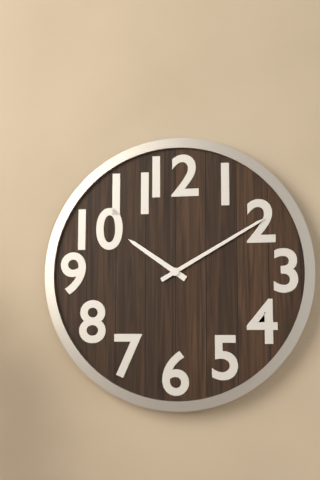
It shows 10:10
